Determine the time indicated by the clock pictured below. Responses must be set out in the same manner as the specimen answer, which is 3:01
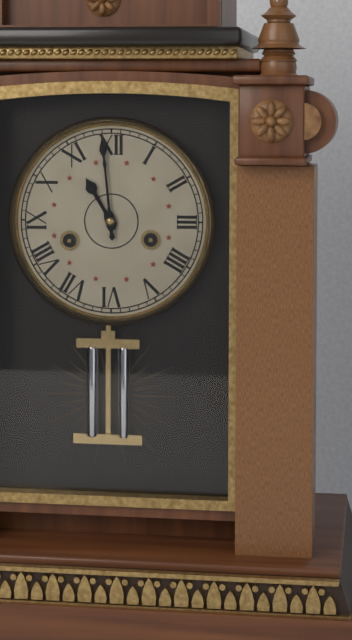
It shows 10:59
